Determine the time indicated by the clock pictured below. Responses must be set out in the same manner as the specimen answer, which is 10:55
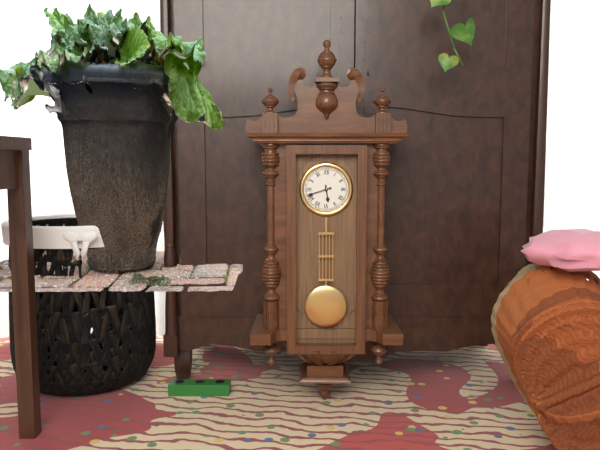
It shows 5:42
